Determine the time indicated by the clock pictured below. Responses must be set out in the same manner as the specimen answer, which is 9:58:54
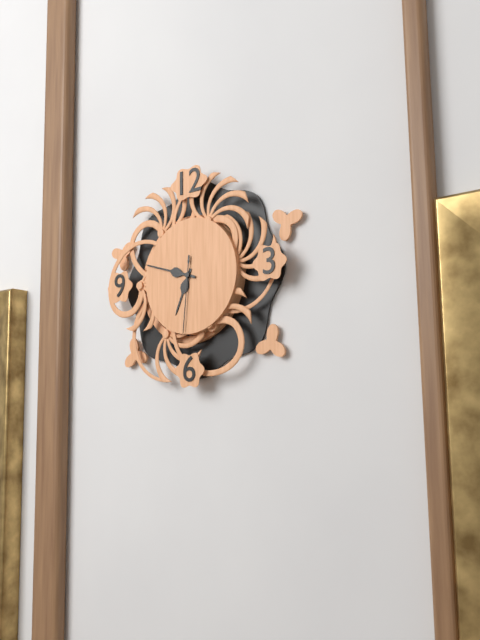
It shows 6:48:31
